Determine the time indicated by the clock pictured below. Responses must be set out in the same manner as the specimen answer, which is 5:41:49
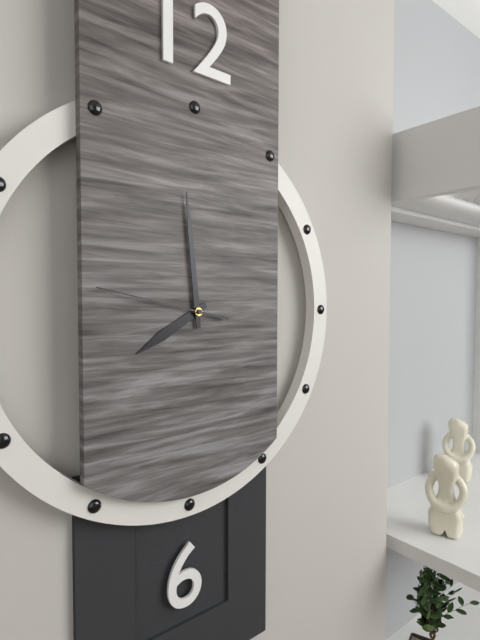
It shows 7:59:47
